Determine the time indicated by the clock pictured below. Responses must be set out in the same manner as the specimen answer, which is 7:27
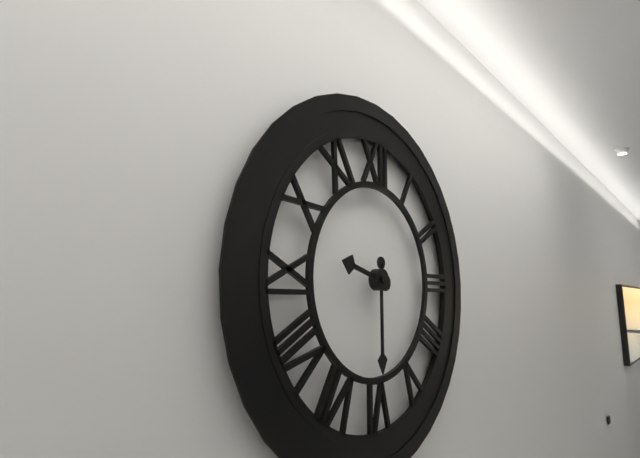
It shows 9:30
